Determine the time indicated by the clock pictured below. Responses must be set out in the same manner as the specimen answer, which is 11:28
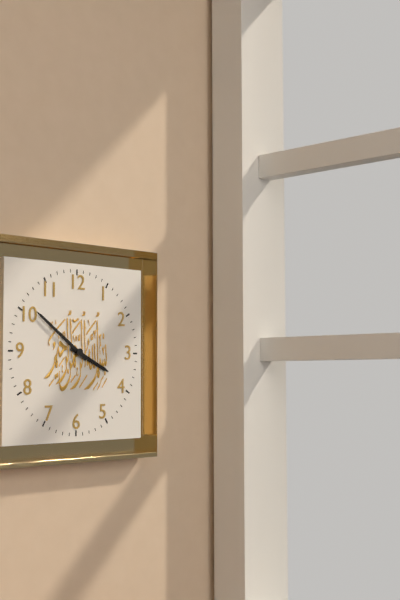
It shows 3:51
